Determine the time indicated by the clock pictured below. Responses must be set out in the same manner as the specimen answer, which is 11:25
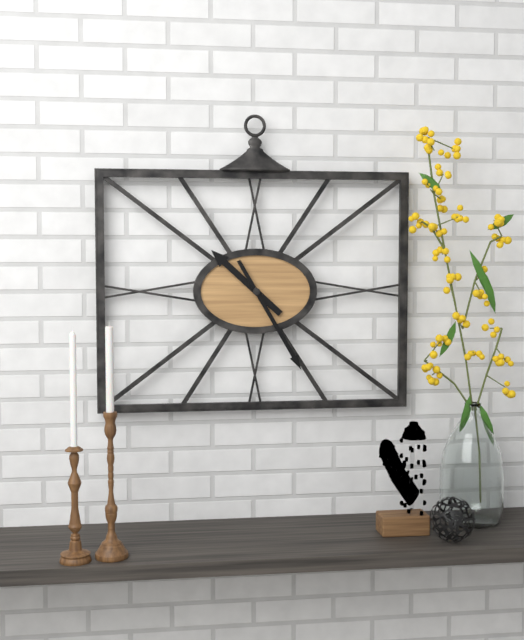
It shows 10:25
